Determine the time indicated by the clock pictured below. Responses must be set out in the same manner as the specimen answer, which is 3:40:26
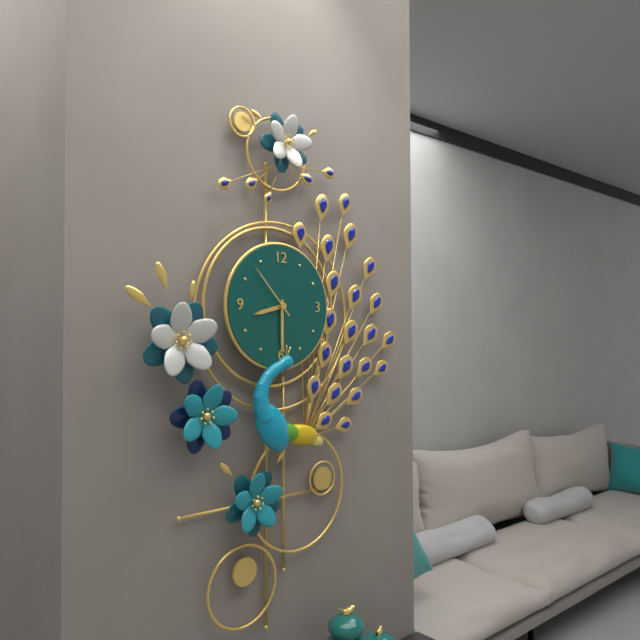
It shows 8:30:53
